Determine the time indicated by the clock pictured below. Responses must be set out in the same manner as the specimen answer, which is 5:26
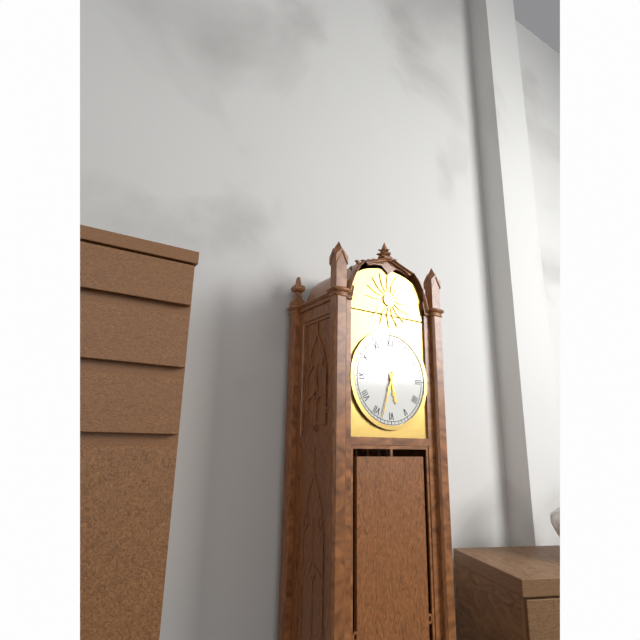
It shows 5:33
